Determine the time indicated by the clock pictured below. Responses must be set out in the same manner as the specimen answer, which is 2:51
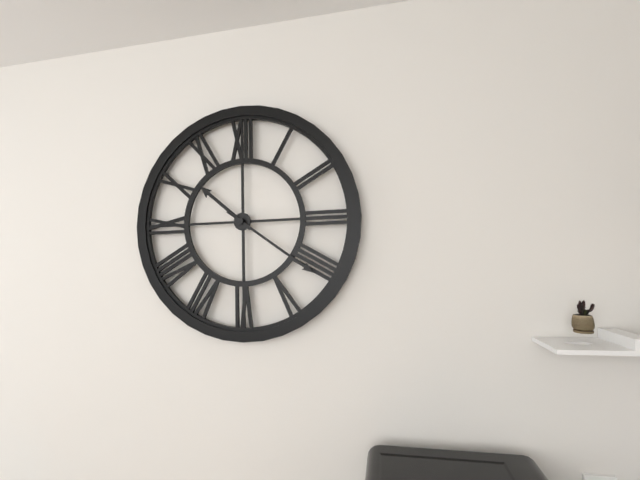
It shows 10:21
